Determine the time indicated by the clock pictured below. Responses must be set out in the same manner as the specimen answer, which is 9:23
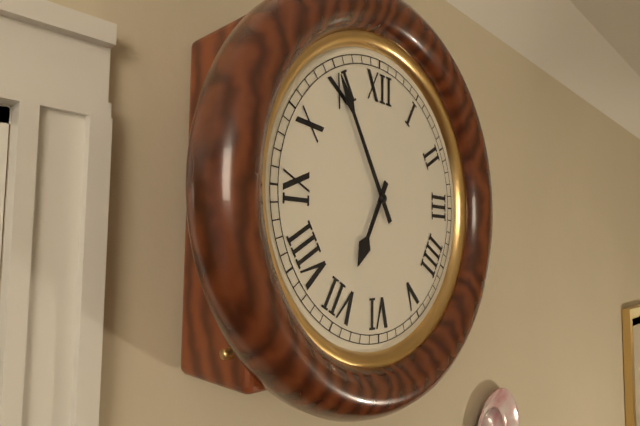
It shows 6:55
